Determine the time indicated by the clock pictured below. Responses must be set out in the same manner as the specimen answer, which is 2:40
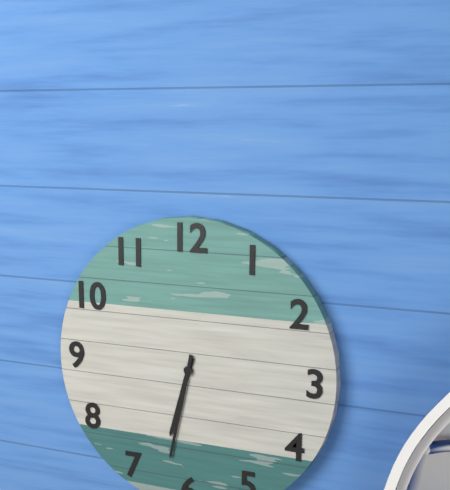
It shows 6:32
